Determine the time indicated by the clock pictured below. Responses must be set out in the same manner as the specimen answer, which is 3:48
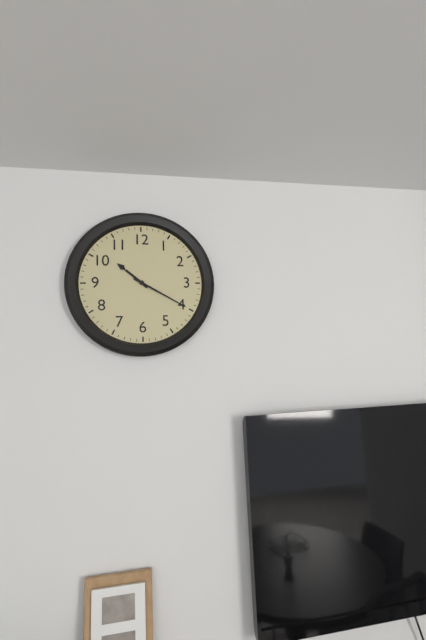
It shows 10:20
